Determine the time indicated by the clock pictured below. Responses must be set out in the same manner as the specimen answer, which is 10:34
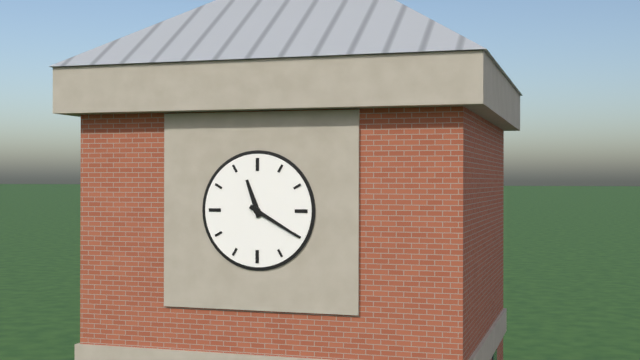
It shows 11:20
